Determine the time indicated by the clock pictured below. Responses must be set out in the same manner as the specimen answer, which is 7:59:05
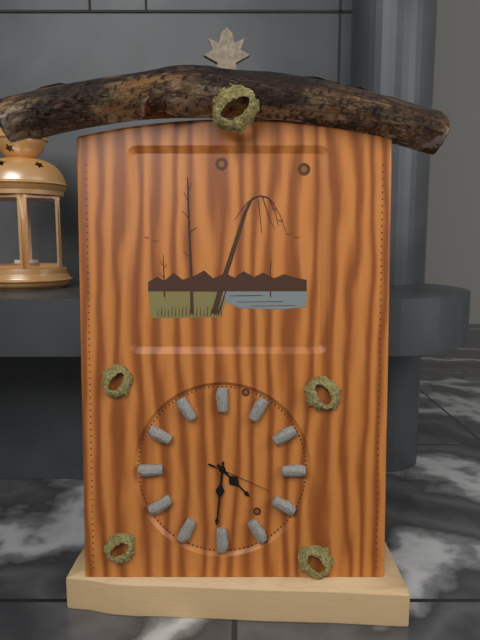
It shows 4:31:19
